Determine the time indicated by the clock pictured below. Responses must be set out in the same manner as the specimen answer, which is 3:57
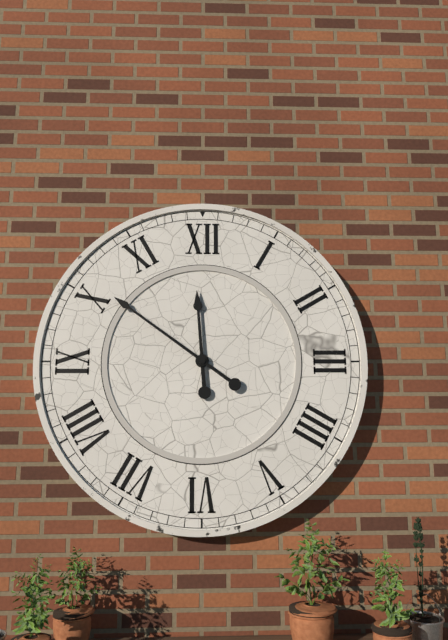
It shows 11:51
